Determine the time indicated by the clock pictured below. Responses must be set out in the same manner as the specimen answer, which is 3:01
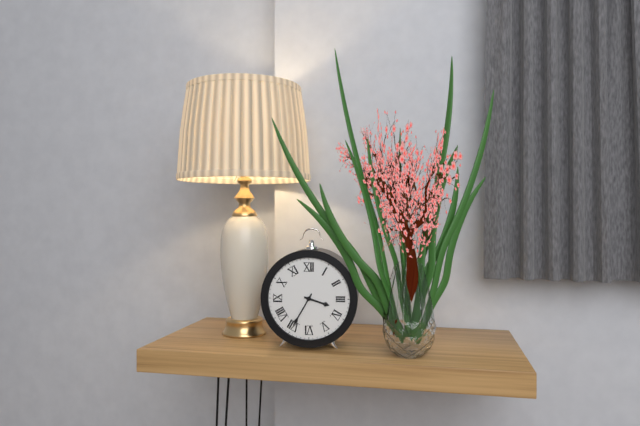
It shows 3:35
